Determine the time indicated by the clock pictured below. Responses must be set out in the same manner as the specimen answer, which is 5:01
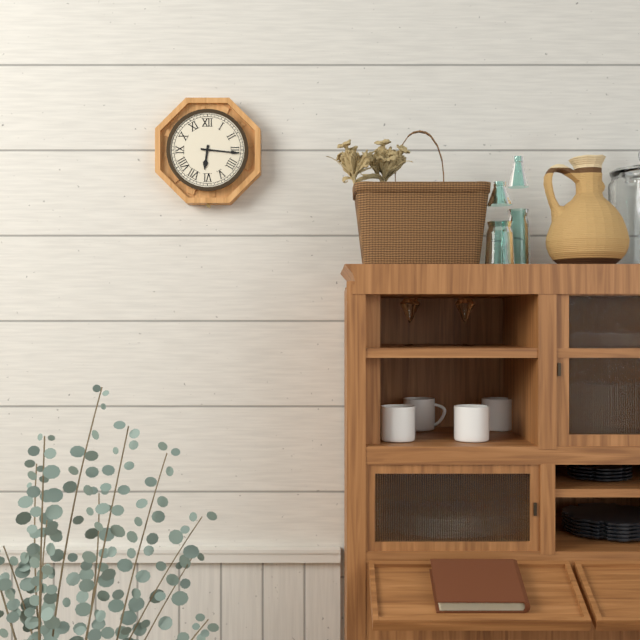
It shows 6:16
